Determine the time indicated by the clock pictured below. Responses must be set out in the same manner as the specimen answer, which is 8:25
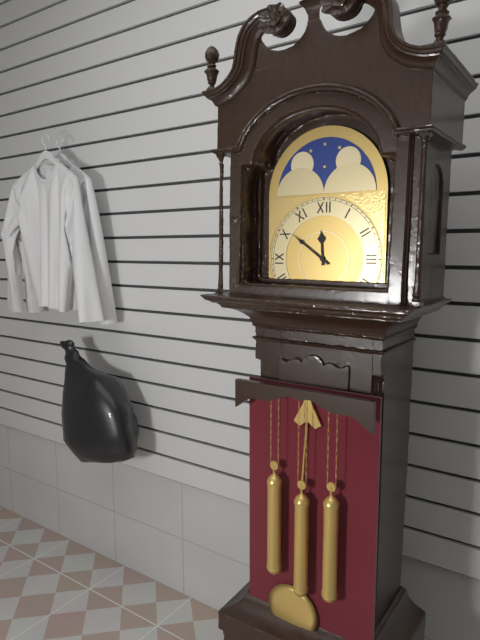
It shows 11:51
